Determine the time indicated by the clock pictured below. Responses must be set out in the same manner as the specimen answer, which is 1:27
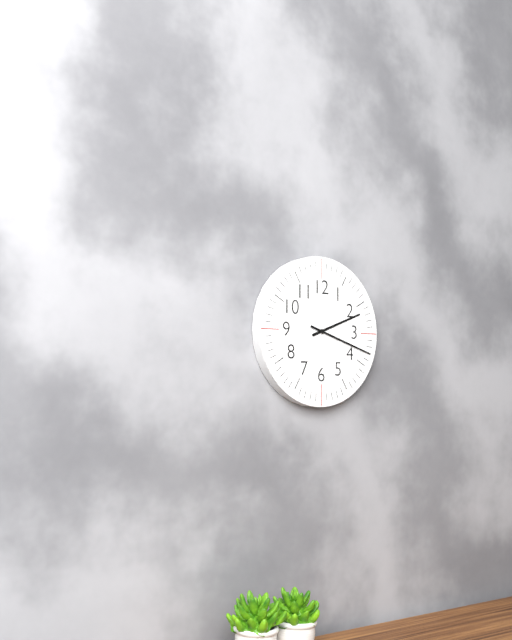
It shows 2:18
